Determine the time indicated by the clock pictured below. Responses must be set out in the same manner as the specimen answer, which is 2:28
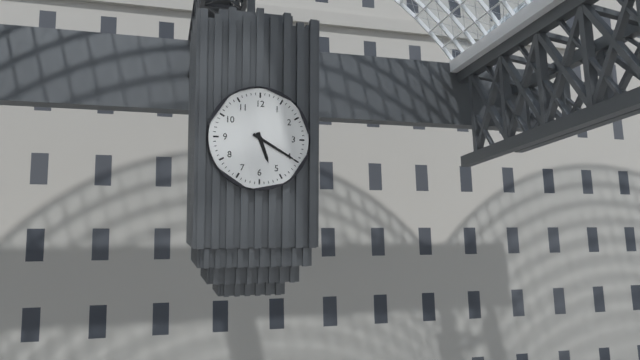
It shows 5:20
